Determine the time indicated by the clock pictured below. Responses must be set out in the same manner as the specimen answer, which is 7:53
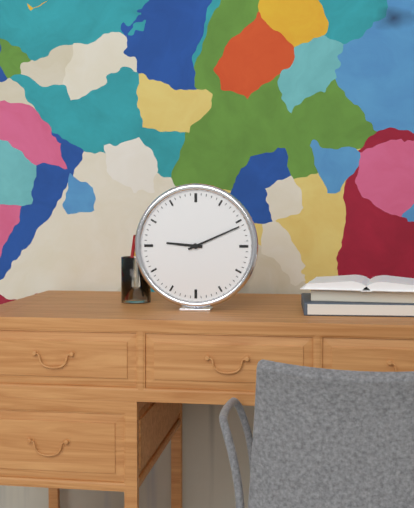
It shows 9:11
